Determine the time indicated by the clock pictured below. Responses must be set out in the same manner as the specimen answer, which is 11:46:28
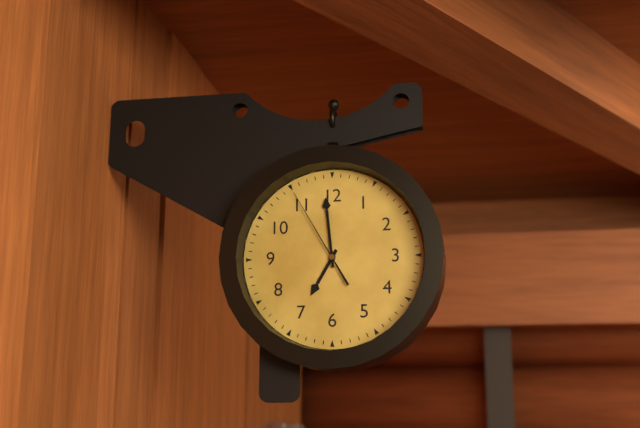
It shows 6:59:55
